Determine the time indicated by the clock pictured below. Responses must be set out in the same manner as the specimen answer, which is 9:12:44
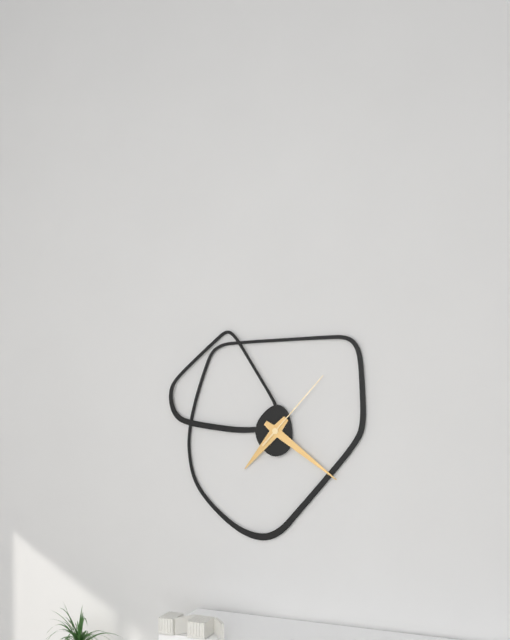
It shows 7:21:07
